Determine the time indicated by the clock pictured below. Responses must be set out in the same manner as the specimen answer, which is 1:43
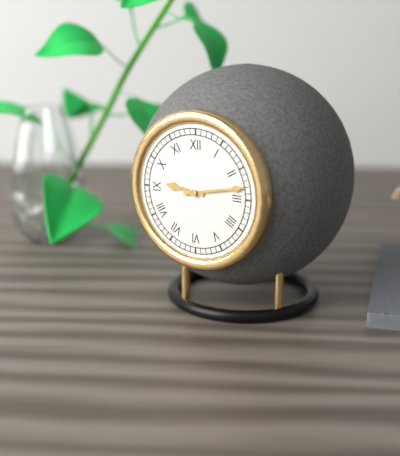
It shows 9:13
